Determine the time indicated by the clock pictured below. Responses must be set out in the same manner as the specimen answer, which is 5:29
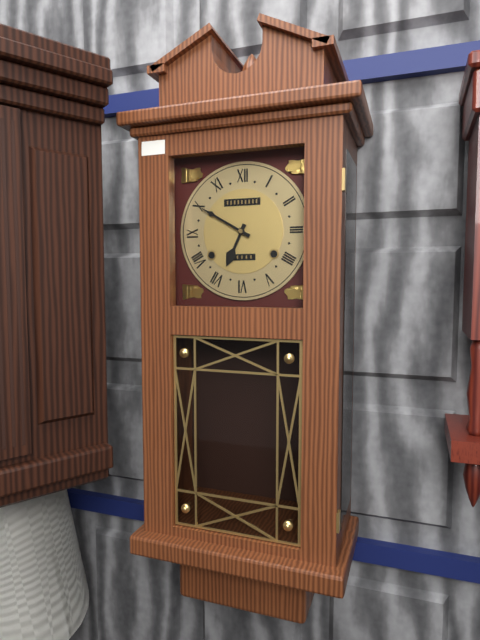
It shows 6:50
